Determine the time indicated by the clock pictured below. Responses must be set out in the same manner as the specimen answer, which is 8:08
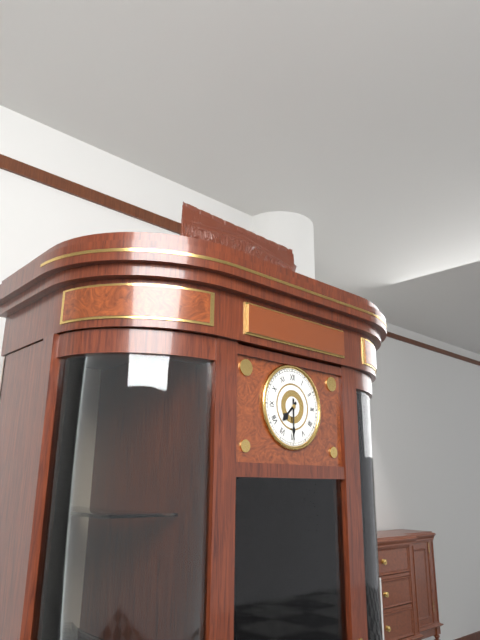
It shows 7:30
